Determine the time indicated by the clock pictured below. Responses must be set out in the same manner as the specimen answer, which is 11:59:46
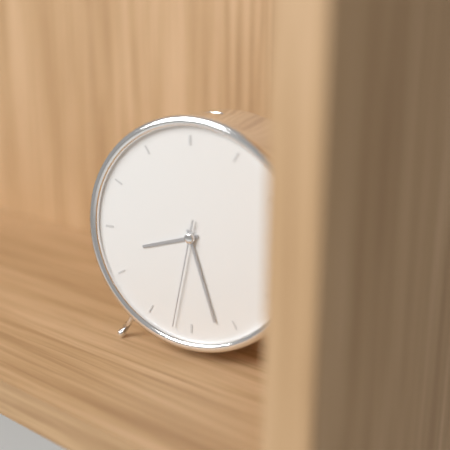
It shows 8:27:32
